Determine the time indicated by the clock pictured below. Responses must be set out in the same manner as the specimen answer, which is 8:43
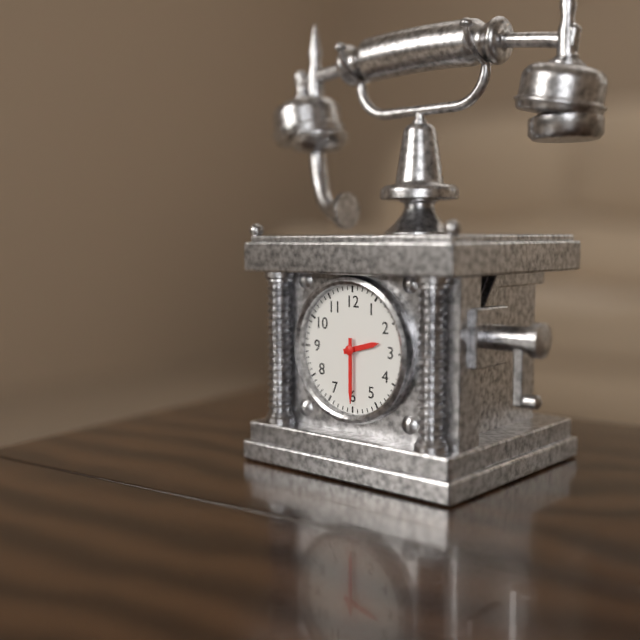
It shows 2:30
